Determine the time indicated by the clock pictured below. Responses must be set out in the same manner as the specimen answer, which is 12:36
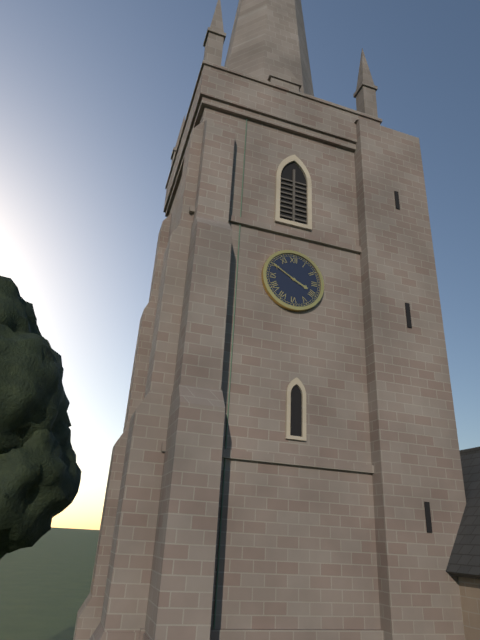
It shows 3:50
